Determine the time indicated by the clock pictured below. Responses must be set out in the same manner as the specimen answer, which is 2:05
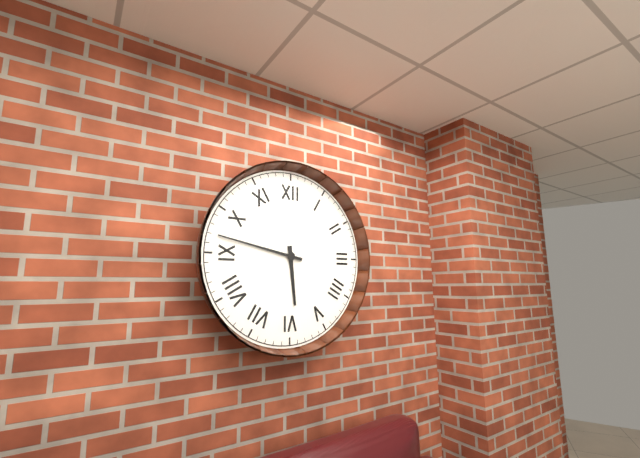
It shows 5:47
